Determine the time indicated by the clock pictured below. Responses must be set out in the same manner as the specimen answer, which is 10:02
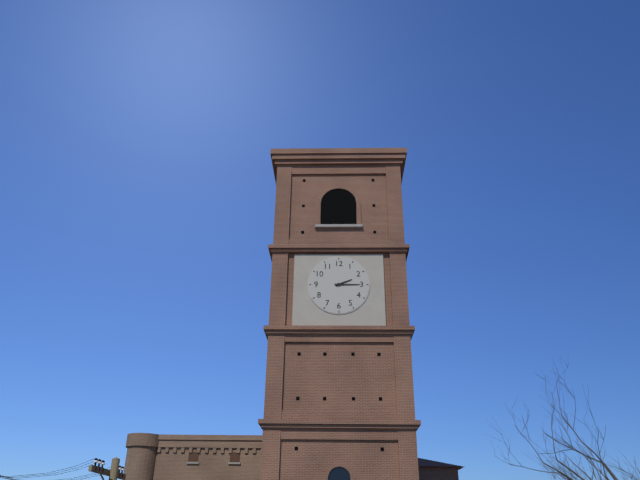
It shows 2:15
